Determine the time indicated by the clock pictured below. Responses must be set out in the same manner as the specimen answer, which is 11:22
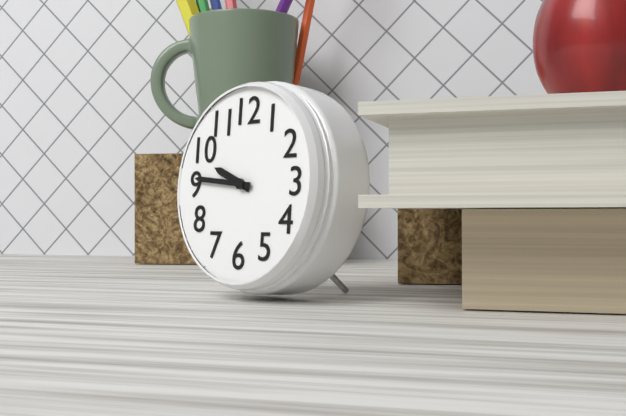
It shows 9:46
